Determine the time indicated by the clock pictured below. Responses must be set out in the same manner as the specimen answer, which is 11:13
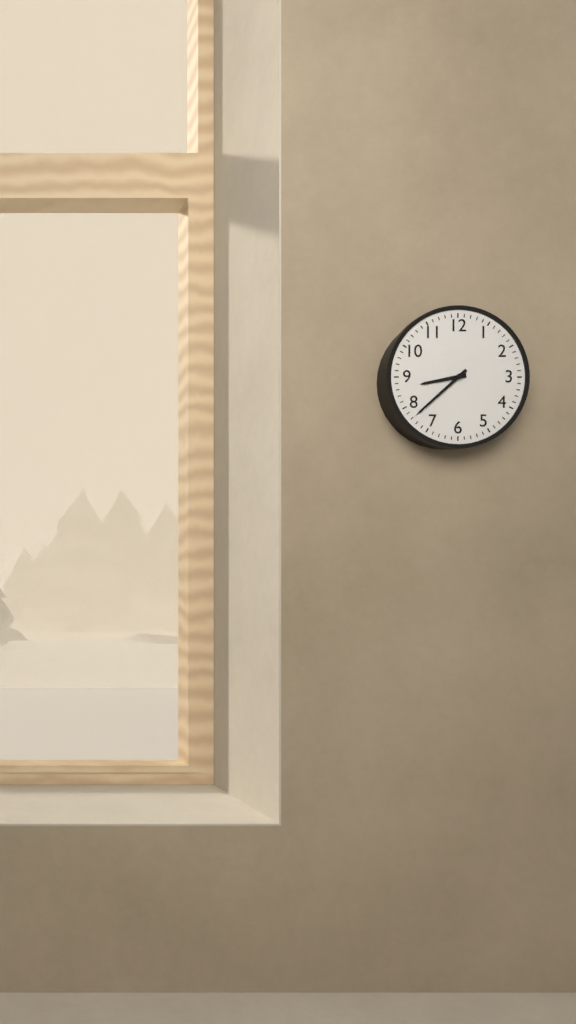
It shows 8:38
